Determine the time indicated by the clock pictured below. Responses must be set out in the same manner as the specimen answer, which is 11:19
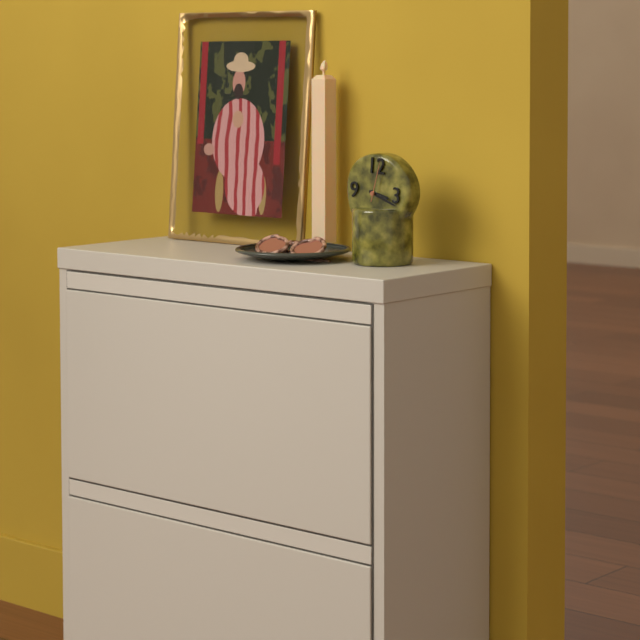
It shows 3:18
